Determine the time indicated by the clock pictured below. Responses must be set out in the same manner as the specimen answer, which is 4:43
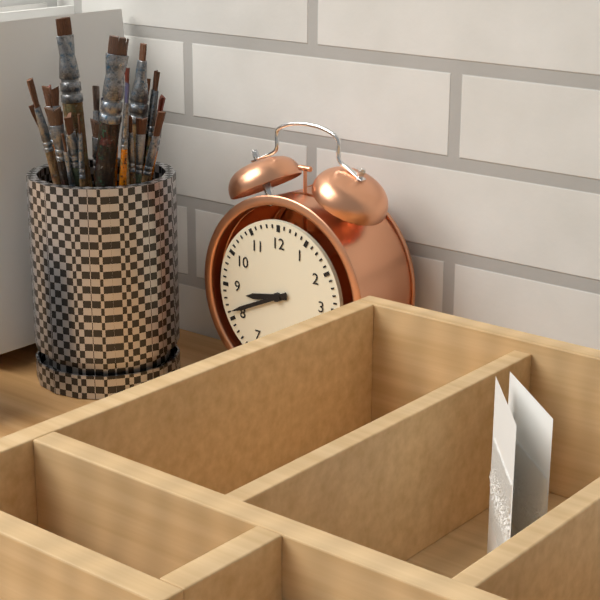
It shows 8:41
